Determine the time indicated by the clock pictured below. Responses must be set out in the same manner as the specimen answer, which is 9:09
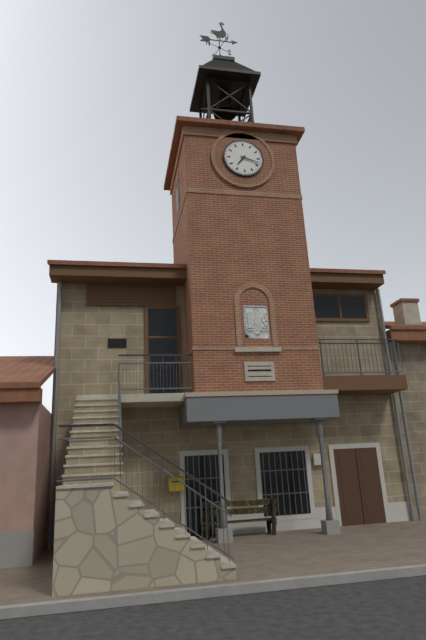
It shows 7:18
